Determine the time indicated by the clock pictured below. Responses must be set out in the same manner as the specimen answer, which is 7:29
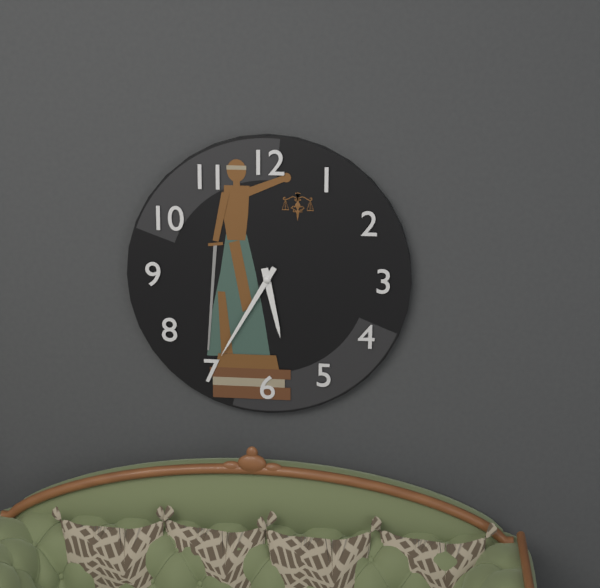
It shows 5:35
